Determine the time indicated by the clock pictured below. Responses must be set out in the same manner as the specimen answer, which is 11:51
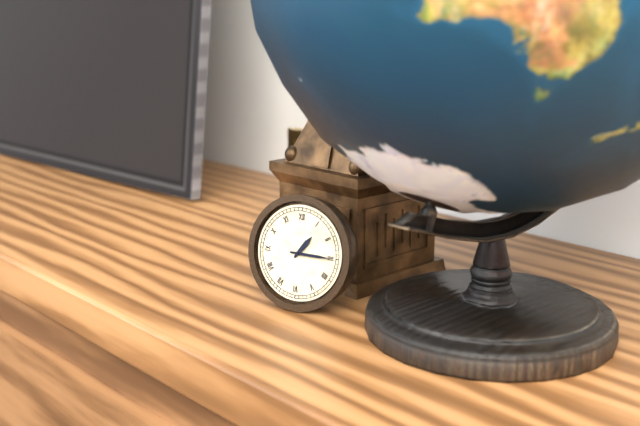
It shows 1:15
